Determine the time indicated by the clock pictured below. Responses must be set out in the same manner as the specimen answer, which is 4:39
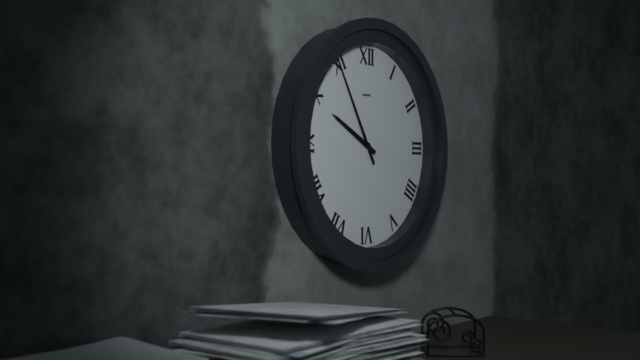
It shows 9:55
